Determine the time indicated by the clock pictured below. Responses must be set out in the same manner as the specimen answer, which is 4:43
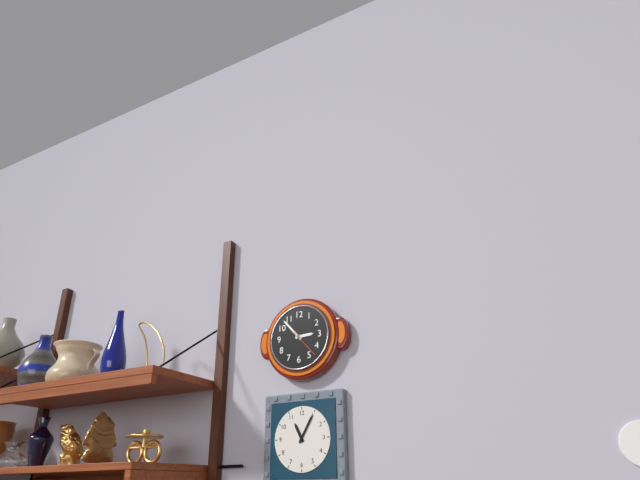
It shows 2:53
